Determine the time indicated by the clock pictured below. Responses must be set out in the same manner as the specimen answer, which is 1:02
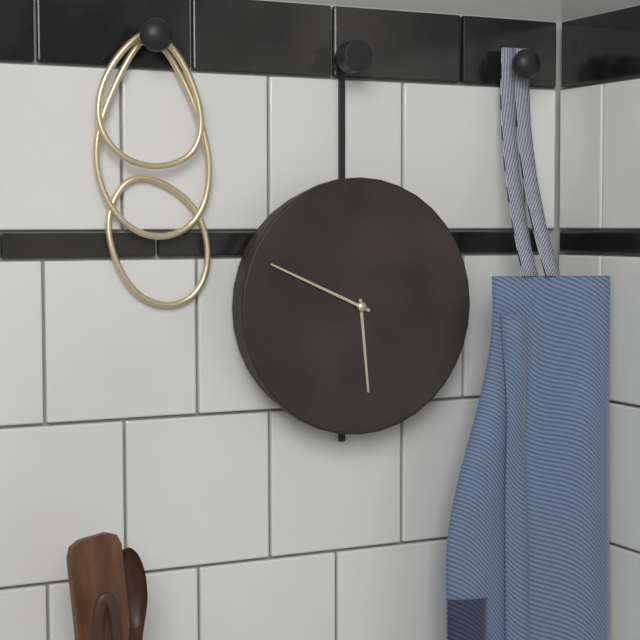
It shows 5:49
